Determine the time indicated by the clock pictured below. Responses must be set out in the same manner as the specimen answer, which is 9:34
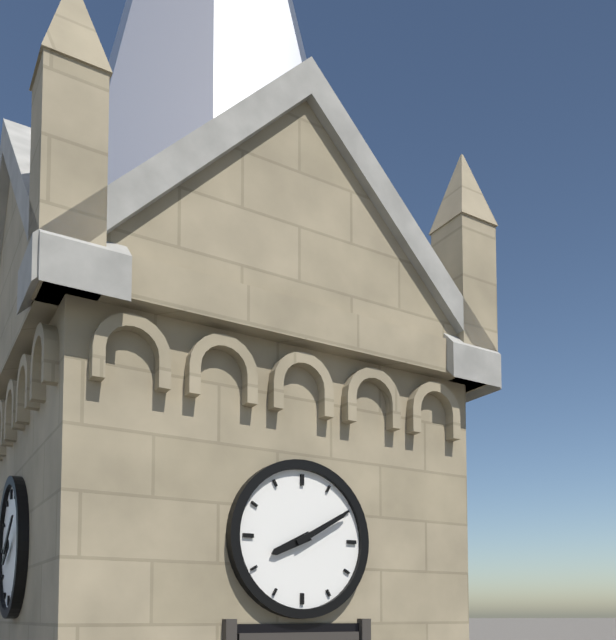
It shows 8:10
